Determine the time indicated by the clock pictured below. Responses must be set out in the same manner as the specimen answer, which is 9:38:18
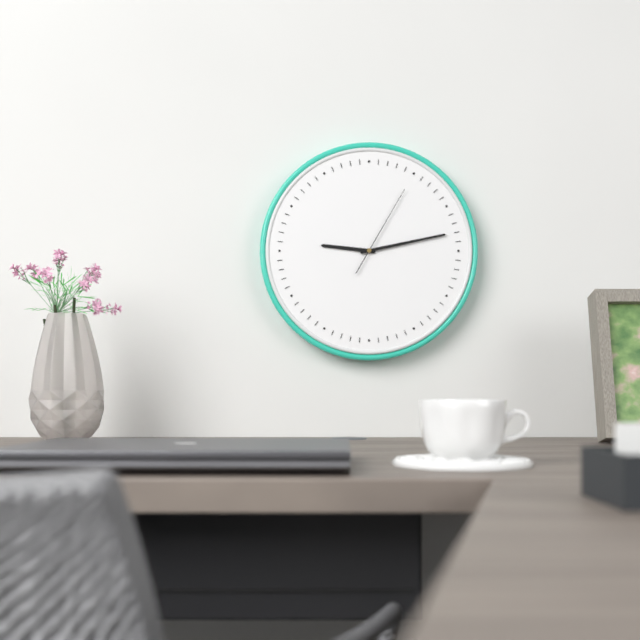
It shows 9:13:05
